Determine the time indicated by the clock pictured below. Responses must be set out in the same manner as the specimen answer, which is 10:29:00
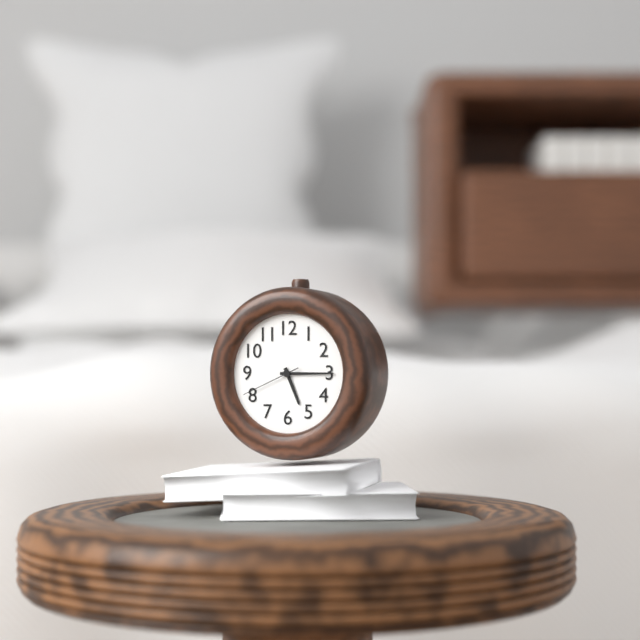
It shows 5:15:41
